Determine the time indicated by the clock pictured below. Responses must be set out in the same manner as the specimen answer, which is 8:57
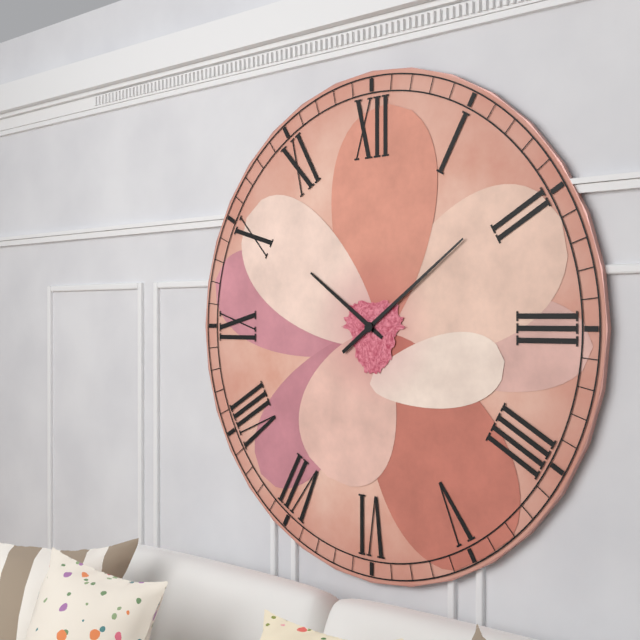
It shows 10:09
